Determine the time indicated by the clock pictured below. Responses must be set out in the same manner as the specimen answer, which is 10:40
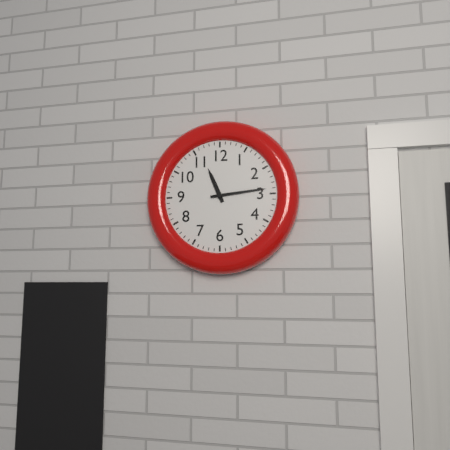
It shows 11:14
